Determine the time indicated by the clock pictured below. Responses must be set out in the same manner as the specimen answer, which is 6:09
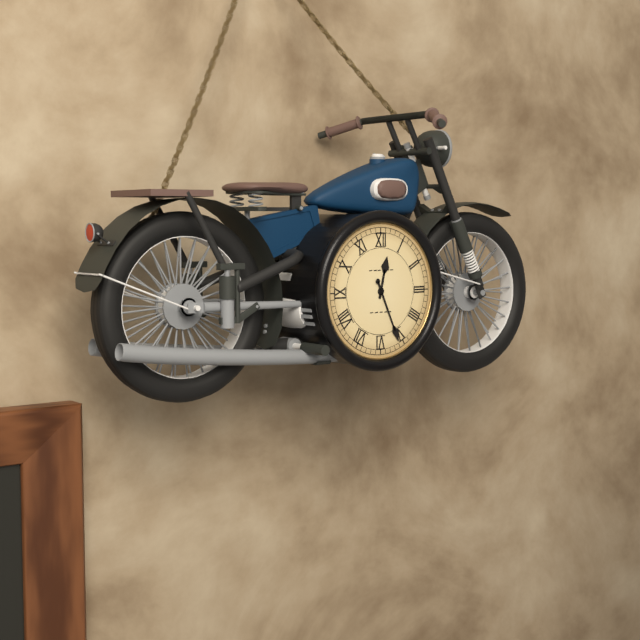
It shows 12:26
